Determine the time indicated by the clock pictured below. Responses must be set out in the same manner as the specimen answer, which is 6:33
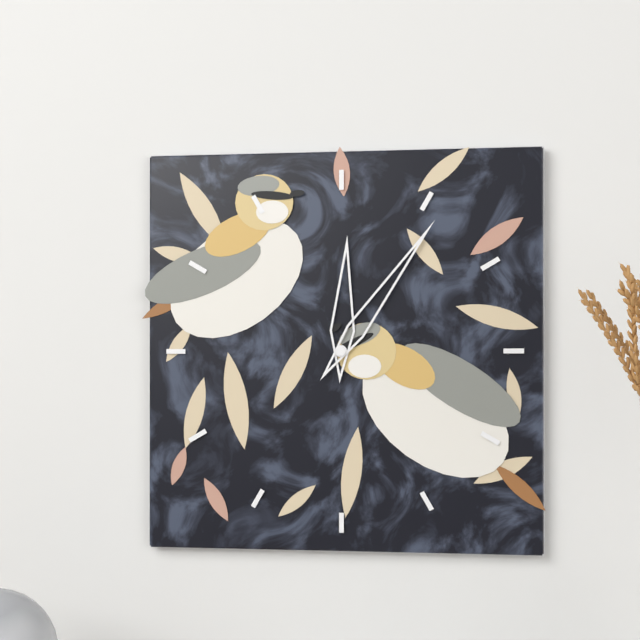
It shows 12:06
